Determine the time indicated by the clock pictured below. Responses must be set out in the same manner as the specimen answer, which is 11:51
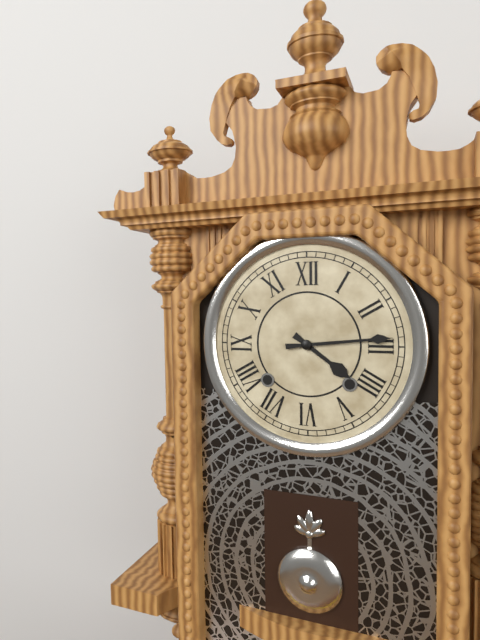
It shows 4:14
